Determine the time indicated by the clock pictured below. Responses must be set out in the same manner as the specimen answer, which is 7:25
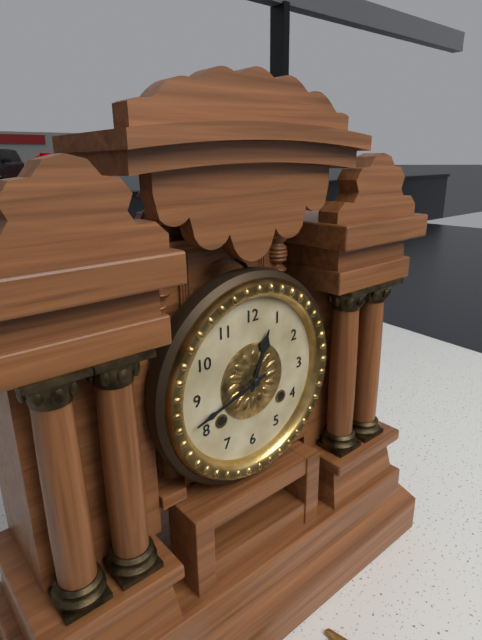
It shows 12:42
